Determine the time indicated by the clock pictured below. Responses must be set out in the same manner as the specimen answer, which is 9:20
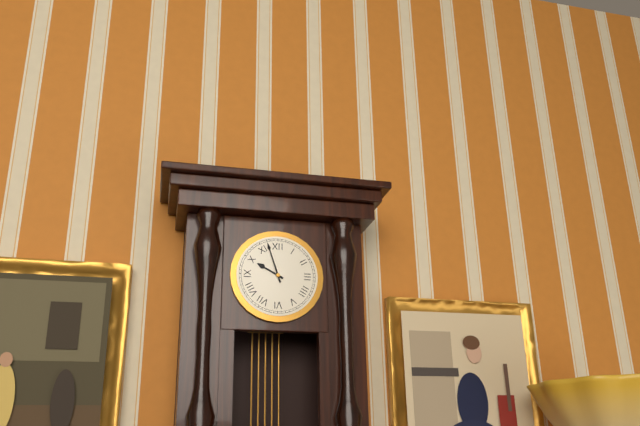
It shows 9:57
